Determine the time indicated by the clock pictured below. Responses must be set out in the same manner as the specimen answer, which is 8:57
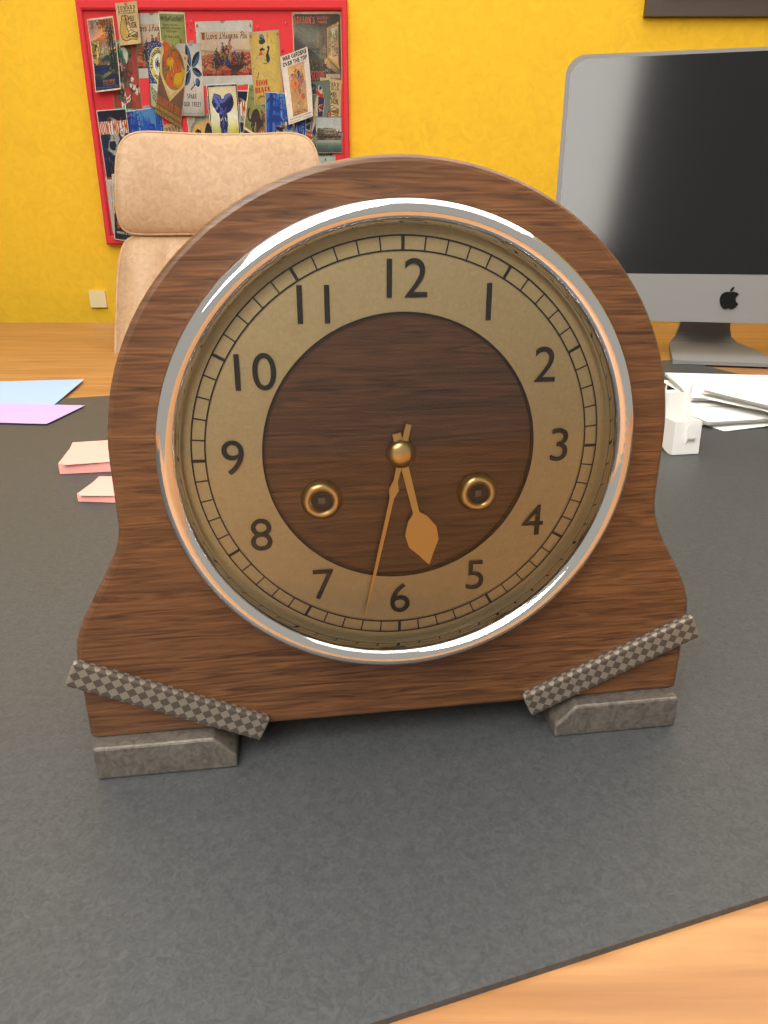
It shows 5:32
